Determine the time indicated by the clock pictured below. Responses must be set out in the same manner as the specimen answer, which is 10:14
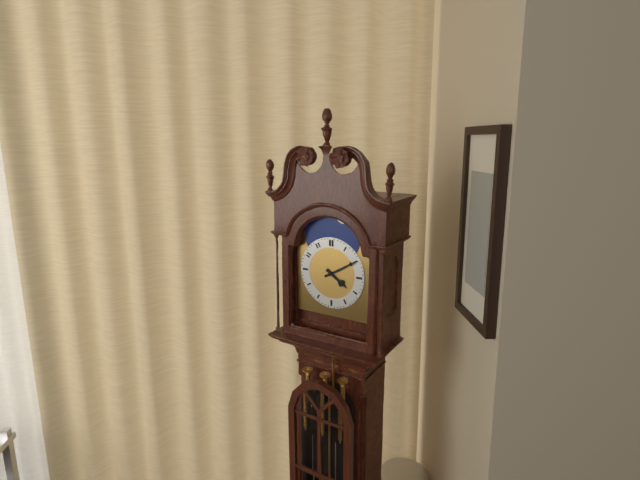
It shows 4:10
